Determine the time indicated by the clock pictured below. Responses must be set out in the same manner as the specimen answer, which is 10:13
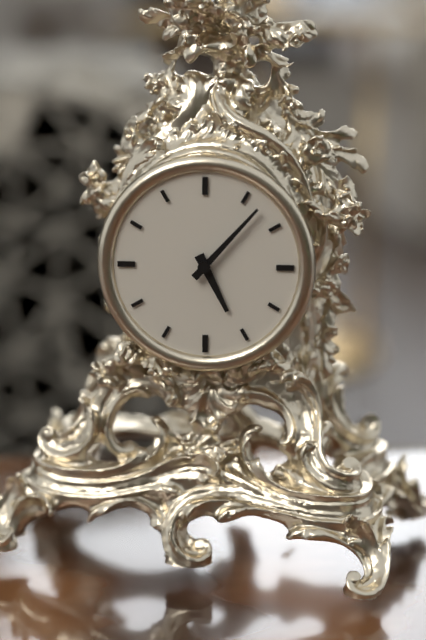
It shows 5:07
